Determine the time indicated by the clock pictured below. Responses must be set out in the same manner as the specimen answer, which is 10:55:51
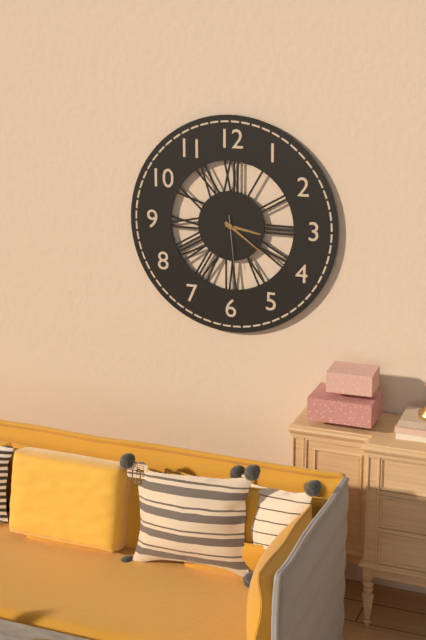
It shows 3:21:29
